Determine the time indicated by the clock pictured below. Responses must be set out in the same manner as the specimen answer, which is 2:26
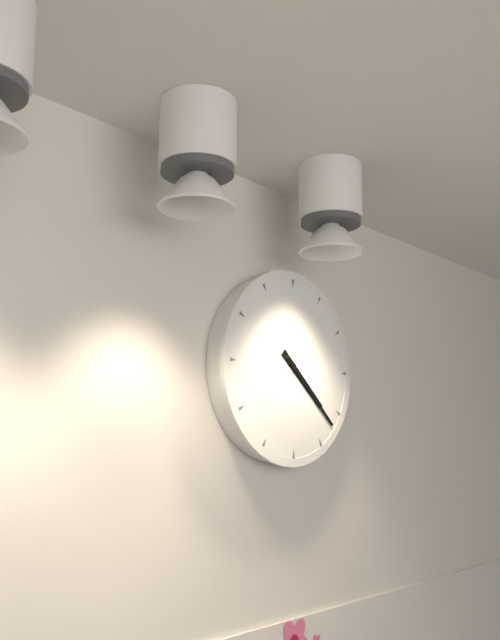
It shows 4:22
